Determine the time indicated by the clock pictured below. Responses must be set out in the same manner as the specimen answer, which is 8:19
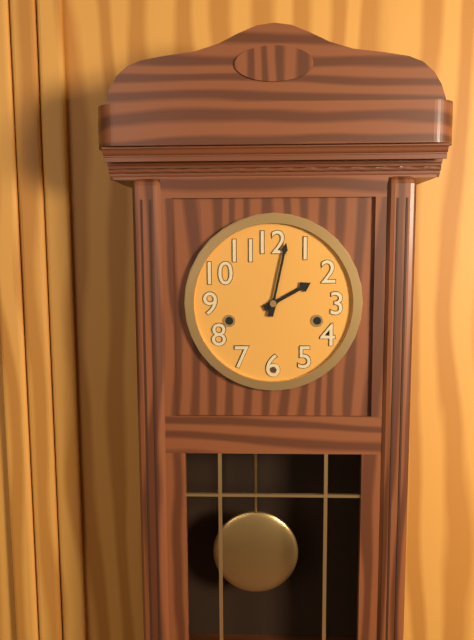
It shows 2:02
